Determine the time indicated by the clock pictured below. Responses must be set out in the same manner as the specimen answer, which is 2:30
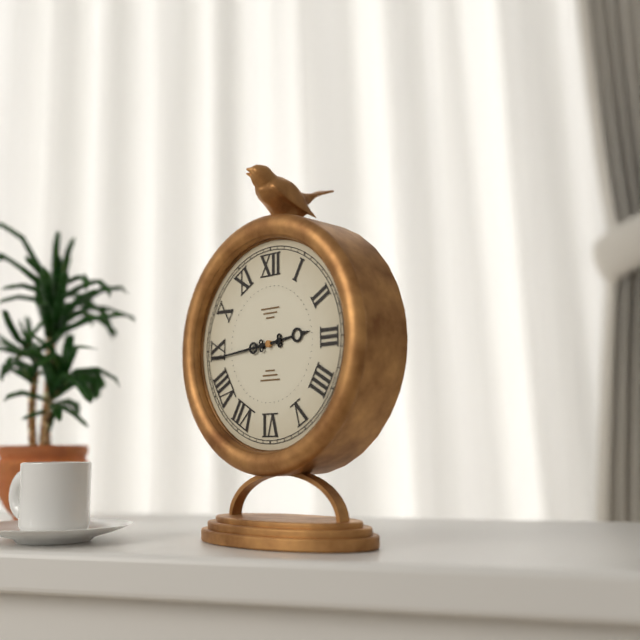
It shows 2:44
